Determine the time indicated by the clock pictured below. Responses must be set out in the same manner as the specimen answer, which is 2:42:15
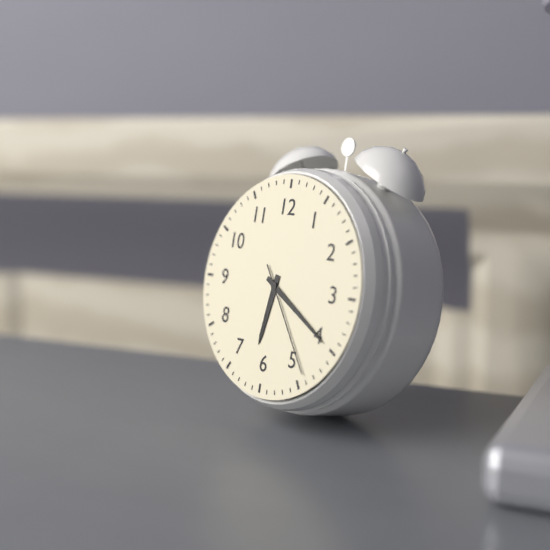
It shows 6:20:24
